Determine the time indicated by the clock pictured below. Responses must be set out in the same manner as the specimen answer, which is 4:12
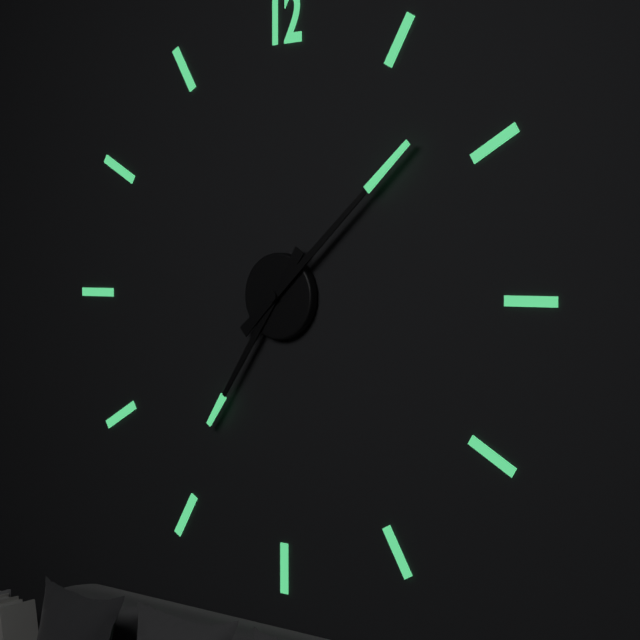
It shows 7:08
